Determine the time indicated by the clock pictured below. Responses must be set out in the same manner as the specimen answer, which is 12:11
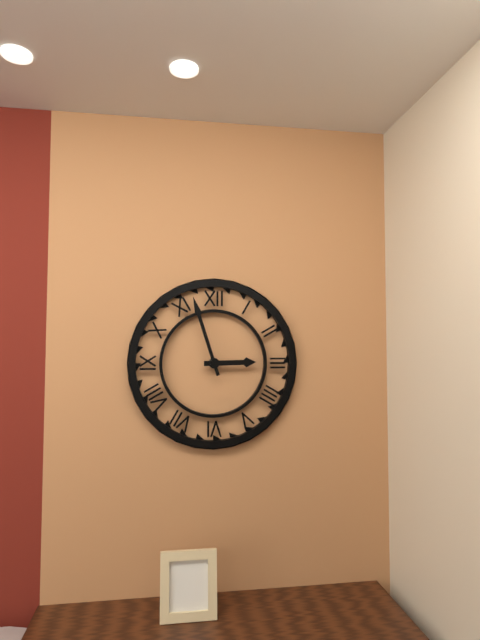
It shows 2:57
